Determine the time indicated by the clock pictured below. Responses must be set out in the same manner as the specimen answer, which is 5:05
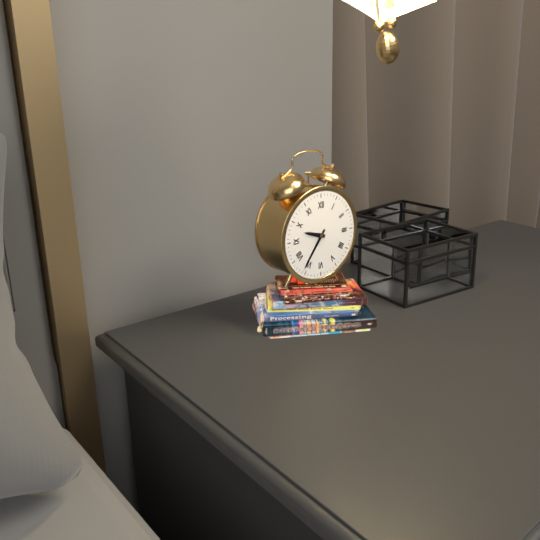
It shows 9:36
